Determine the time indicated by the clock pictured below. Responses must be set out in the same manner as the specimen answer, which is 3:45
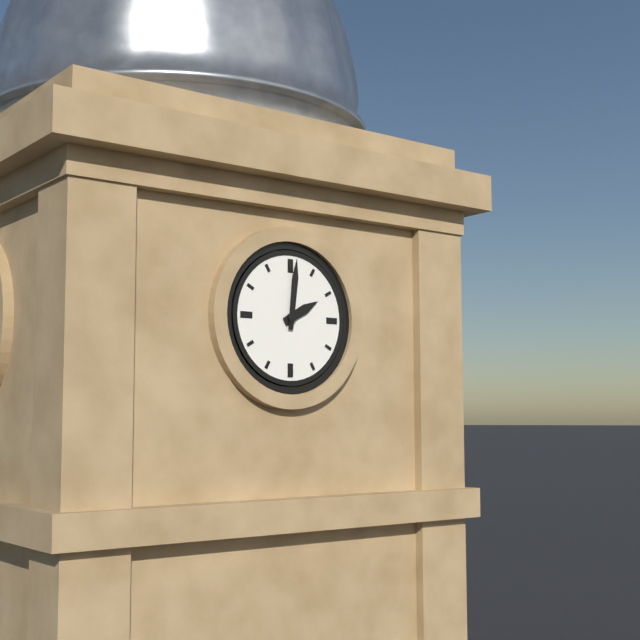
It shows 2:01
